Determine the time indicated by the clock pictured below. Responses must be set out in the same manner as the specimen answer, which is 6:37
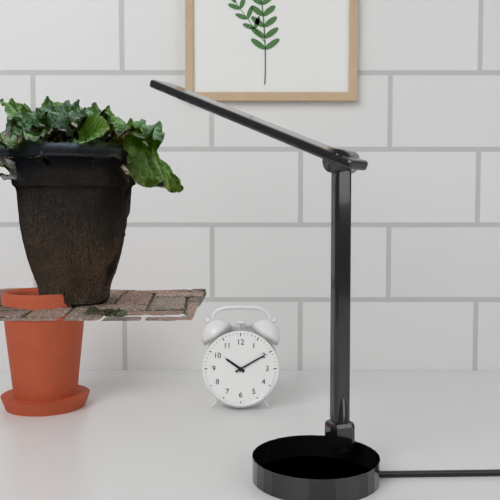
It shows 10:10
